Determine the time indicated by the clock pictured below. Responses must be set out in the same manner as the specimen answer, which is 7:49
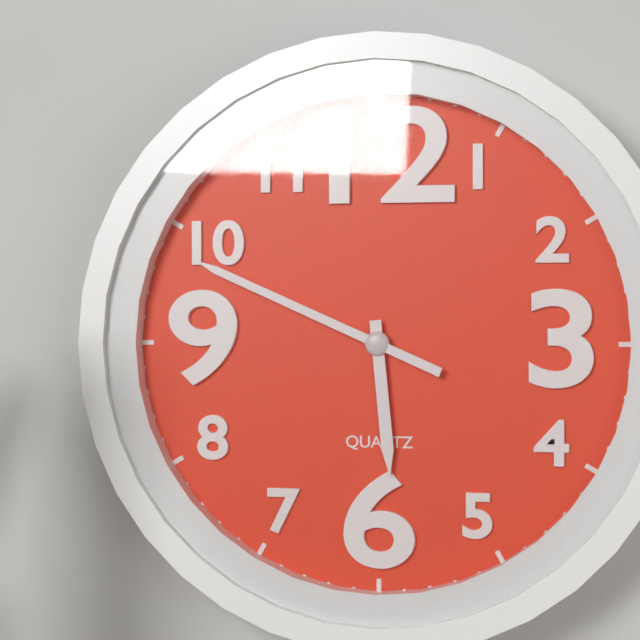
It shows 5:49
